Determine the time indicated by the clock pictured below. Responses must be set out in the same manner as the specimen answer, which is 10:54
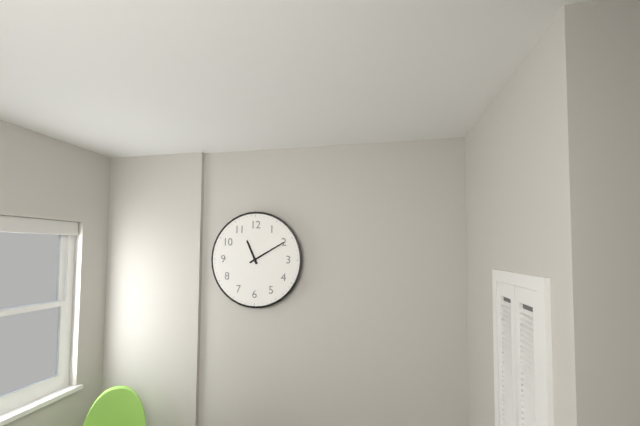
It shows 11:10
